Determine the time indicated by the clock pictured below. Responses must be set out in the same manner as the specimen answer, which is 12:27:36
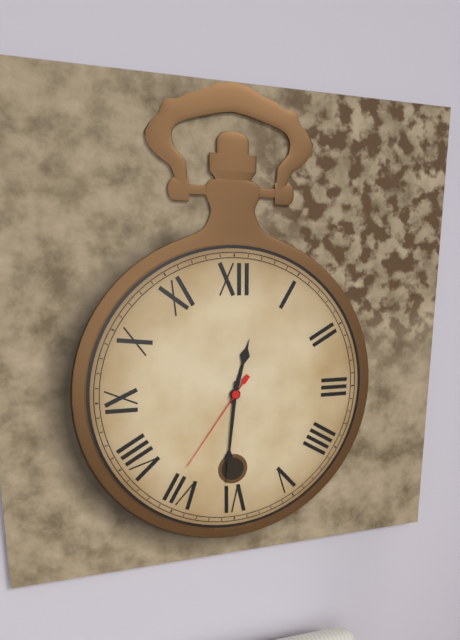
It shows 12:31:36
